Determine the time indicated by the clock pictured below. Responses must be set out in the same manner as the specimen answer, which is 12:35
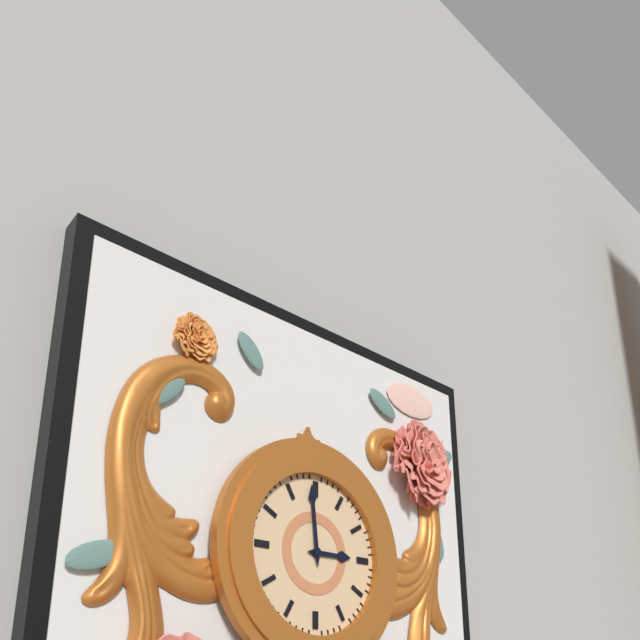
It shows 2:59
